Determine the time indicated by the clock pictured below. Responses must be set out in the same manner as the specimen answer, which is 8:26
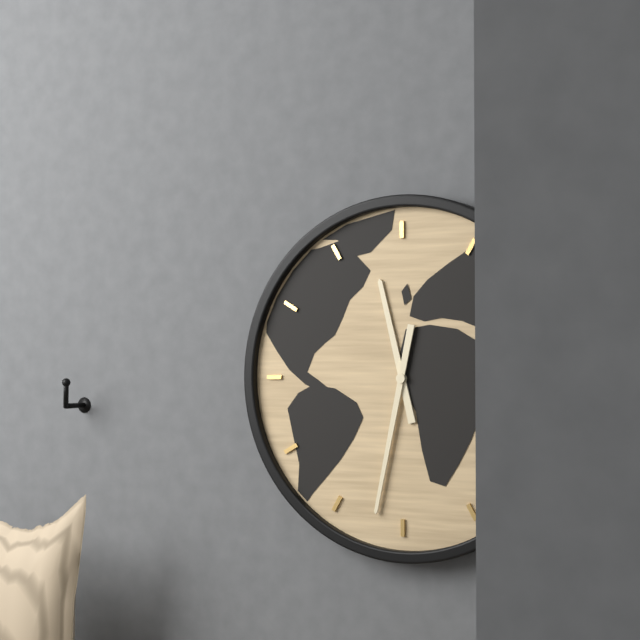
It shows 11:32
